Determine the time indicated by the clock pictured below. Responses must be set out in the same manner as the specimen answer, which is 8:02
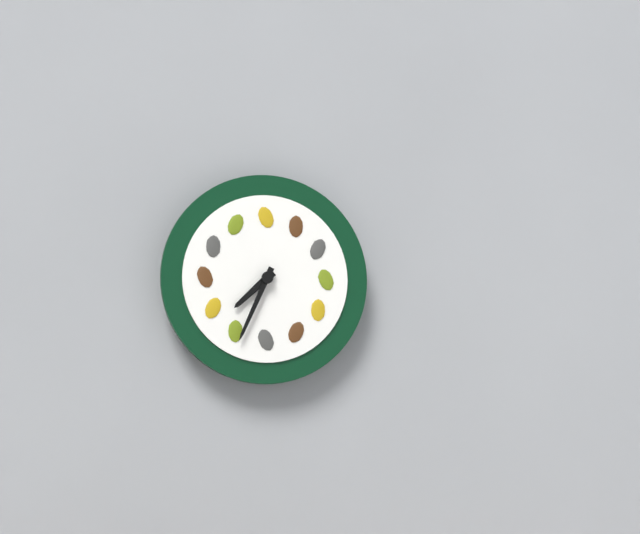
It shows 7:34
